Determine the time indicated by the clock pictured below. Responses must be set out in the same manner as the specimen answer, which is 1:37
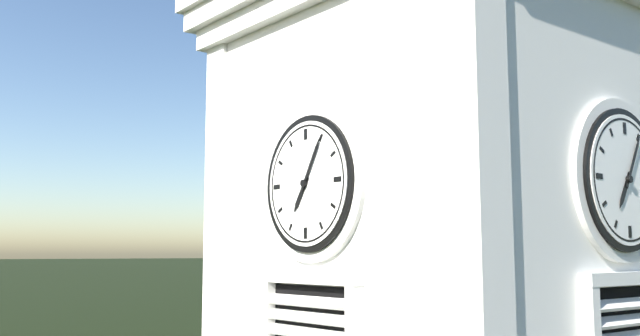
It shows 7:05
